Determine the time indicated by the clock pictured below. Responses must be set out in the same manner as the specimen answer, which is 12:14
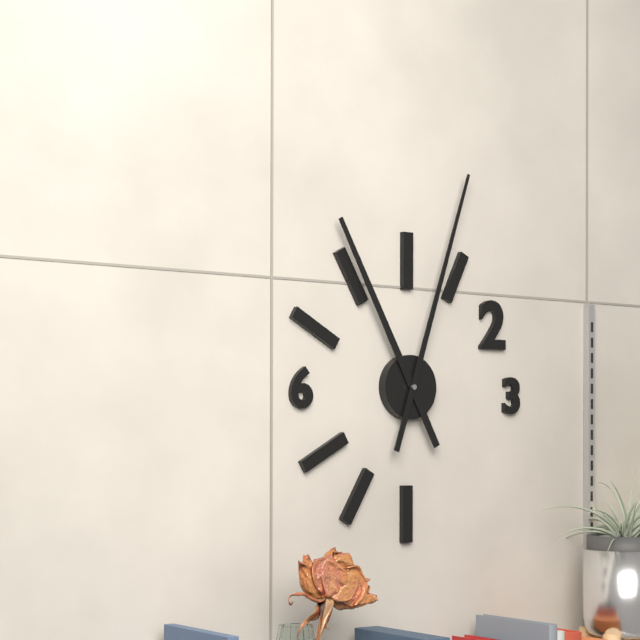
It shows 11:03
